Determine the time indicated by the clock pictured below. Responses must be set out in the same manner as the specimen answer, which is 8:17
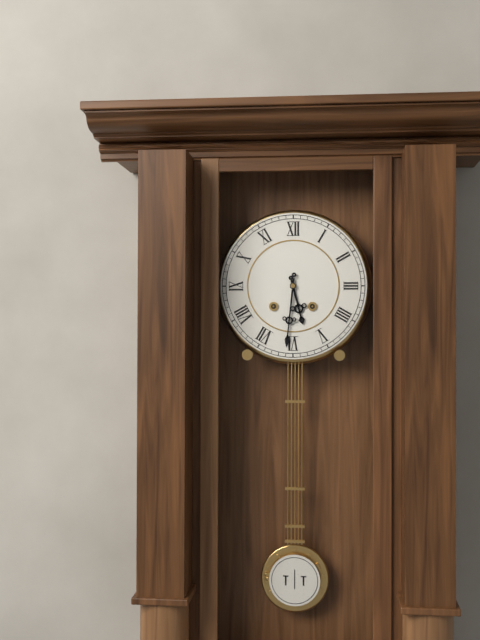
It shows 5:31
